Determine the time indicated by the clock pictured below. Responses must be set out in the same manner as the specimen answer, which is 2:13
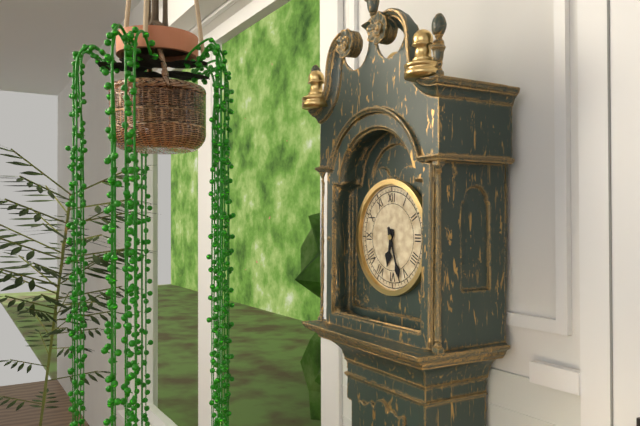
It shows 6:27
